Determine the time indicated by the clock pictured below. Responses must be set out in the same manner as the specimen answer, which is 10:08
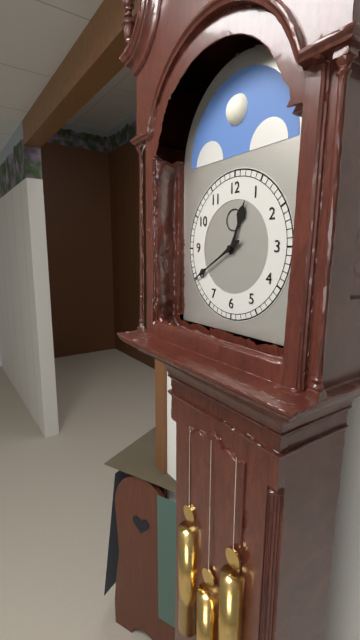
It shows 12:40
